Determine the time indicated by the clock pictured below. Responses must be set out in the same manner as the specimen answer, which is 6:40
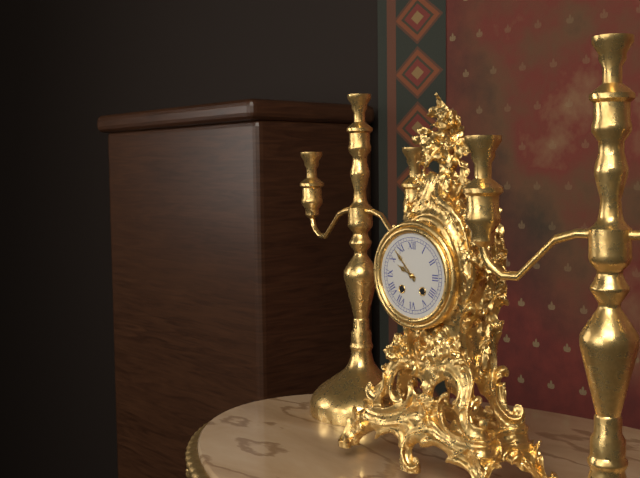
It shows 9:53
